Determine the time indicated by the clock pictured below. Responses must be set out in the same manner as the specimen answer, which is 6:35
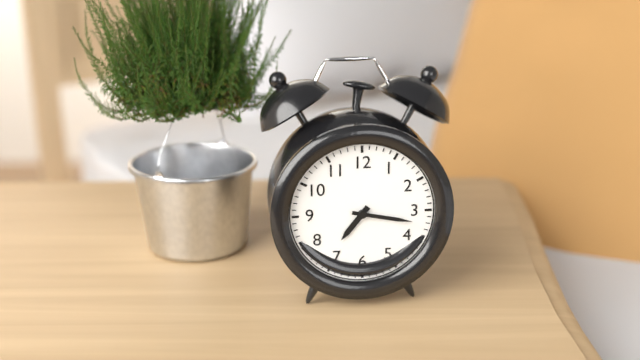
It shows 7:17
